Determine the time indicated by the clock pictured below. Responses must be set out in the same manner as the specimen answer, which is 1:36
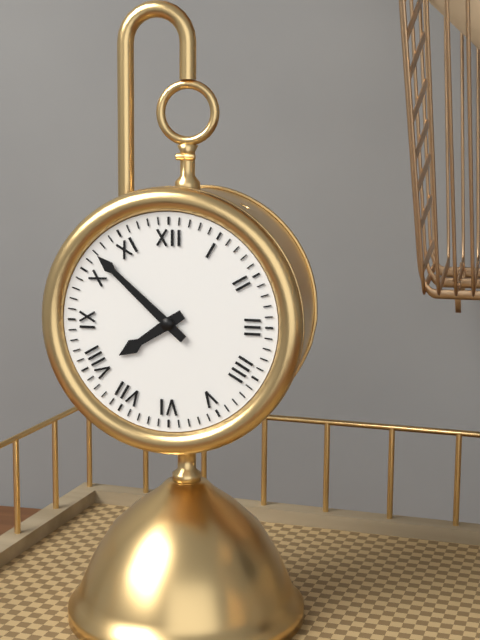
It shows 7:52
